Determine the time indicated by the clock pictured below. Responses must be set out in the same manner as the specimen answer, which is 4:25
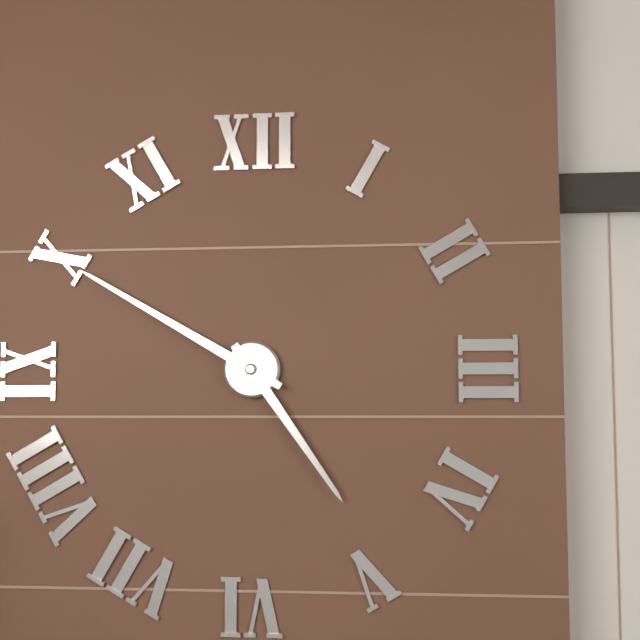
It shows 4:50
